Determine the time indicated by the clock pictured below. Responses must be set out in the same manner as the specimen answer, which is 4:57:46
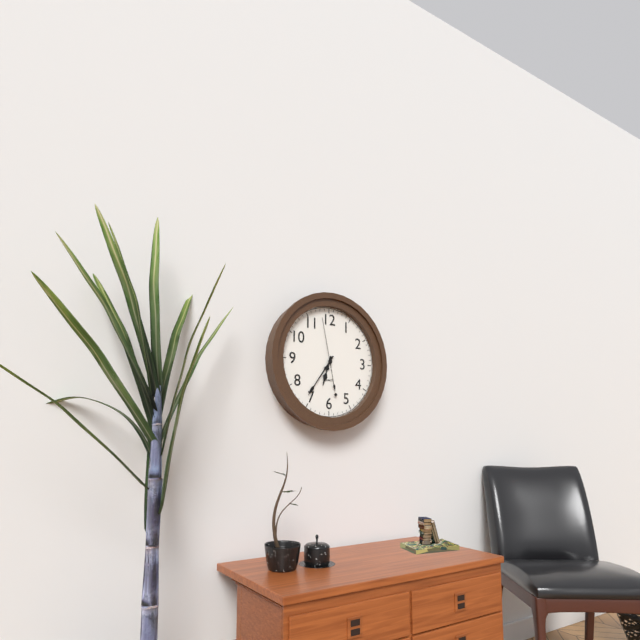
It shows 6:36:58
